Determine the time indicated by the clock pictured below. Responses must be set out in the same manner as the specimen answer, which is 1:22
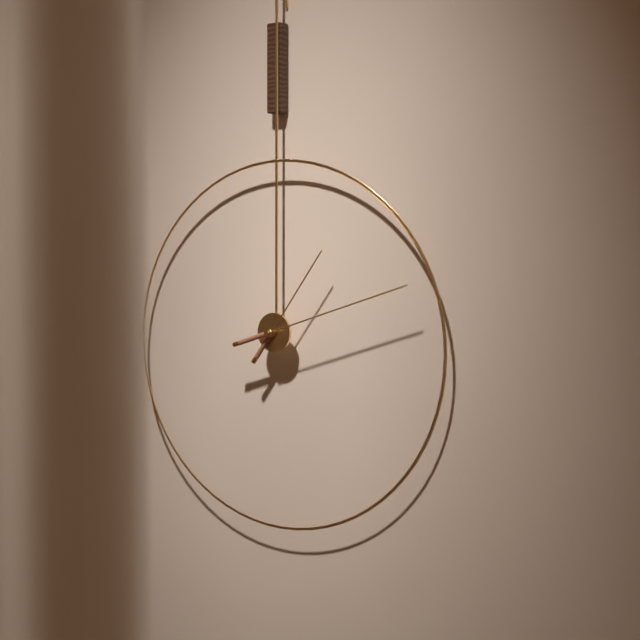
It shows 1:12
